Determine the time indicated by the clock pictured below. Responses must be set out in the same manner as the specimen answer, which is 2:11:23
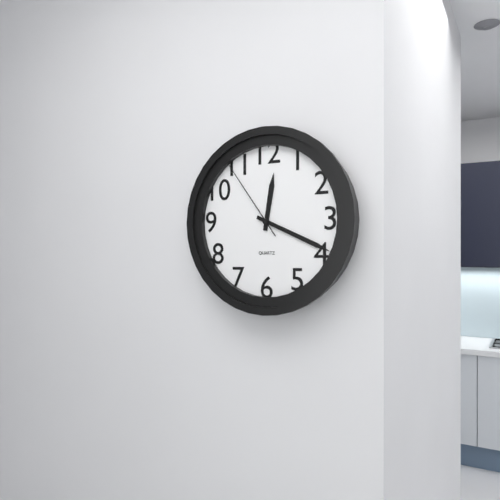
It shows 12:19:54
